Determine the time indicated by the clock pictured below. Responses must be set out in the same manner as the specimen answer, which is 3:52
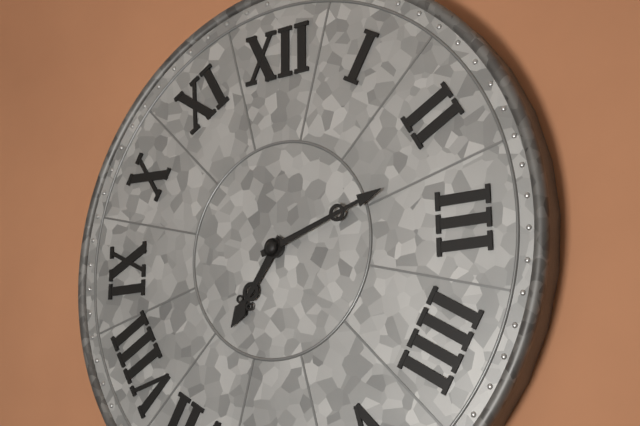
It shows 7:12
